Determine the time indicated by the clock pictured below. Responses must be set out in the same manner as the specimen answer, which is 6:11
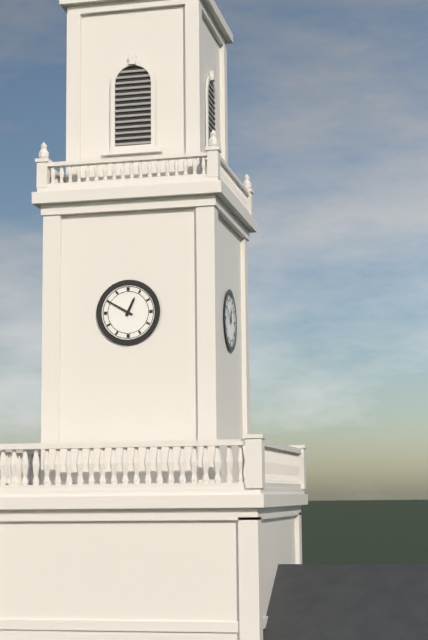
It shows 12:50
